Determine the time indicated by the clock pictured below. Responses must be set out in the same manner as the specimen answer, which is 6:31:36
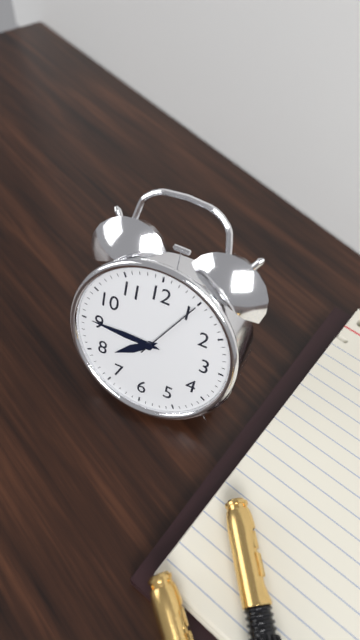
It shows 7:45:05
